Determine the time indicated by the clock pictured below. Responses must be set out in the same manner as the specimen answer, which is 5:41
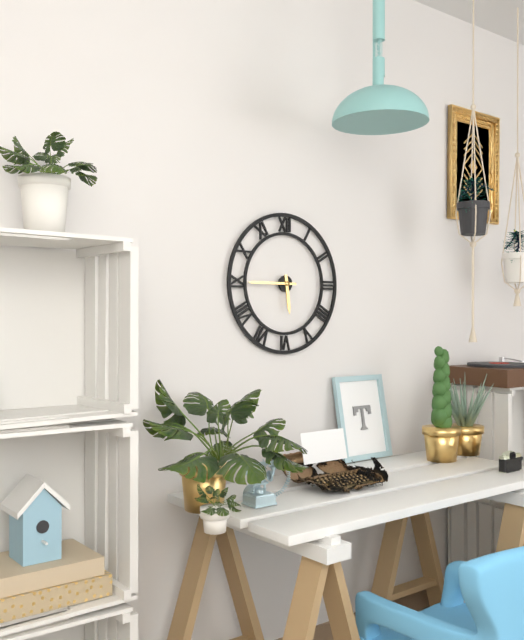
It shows 5:45
